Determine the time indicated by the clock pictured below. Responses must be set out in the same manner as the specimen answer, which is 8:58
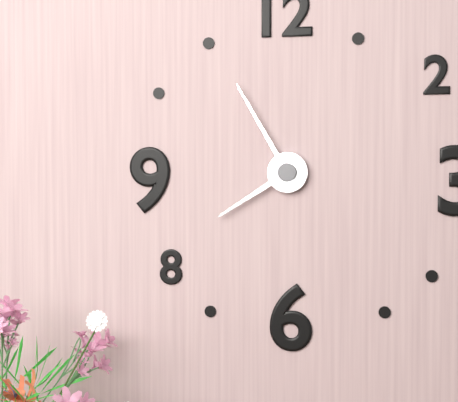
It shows 7:55
